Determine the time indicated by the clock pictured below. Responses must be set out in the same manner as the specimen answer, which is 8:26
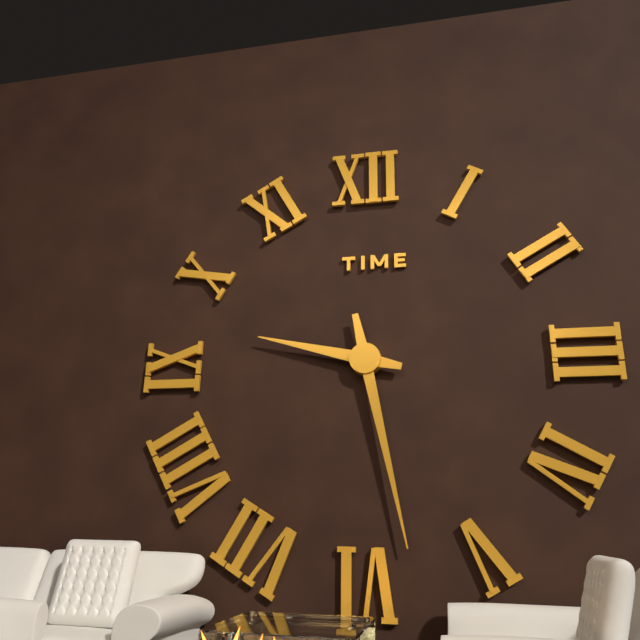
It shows 9:28
